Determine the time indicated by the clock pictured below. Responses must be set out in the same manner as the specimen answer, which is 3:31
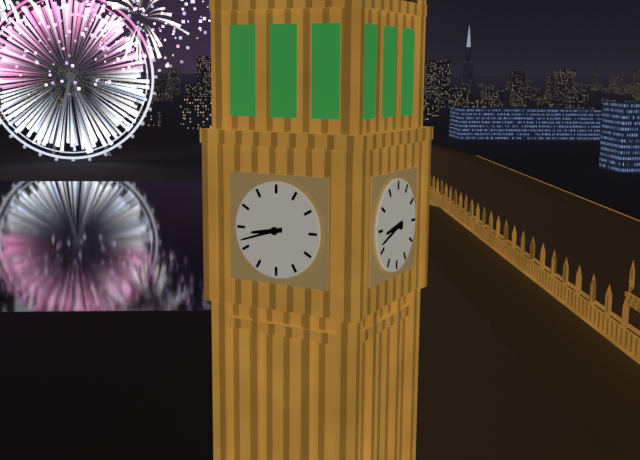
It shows 8:42
